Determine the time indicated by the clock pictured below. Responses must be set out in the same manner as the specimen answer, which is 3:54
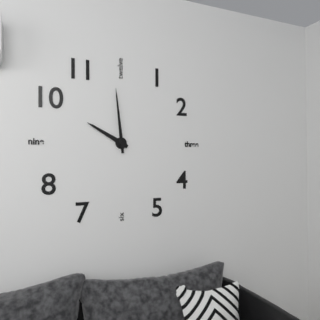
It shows 9:59
